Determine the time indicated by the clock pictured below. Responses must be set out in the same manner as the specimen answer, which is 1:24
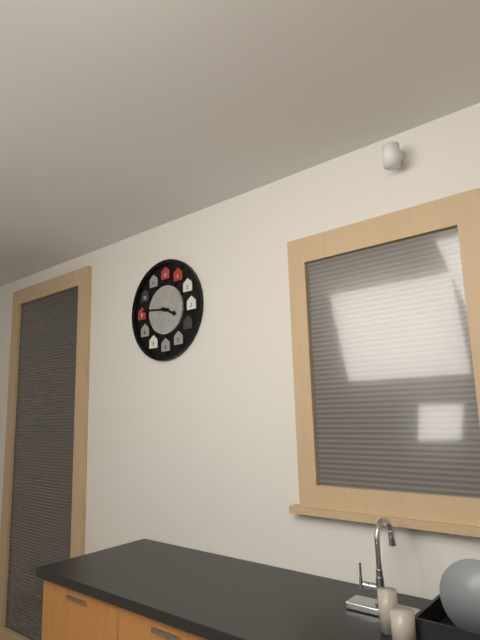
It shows 3:46
